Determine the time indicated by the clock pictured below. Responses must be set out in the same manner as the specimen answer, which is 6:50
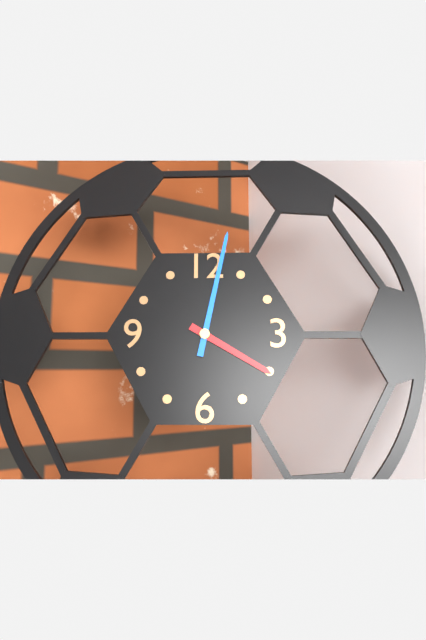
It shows 4:02
